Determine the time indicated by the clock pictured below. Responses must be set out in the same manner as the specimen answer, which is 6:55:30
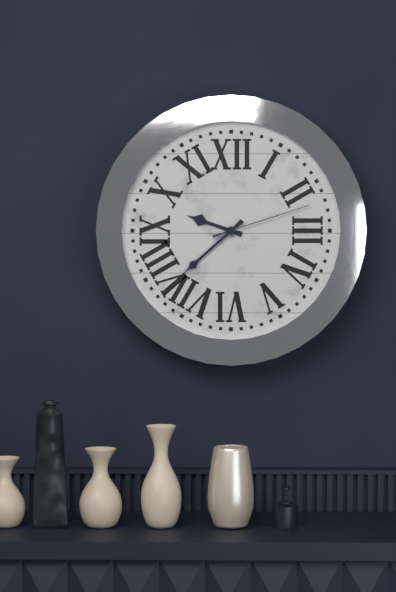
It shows 9:38:12
